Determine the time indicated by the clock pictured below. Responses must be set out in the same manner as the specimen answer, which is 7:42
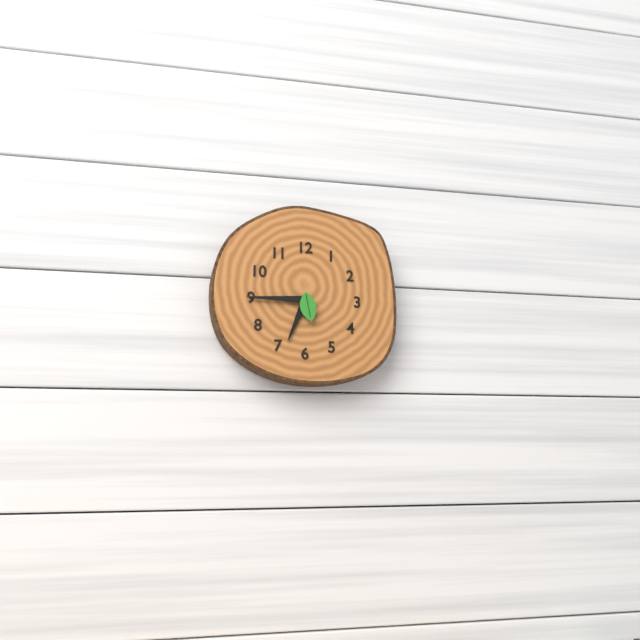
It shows 6:45
